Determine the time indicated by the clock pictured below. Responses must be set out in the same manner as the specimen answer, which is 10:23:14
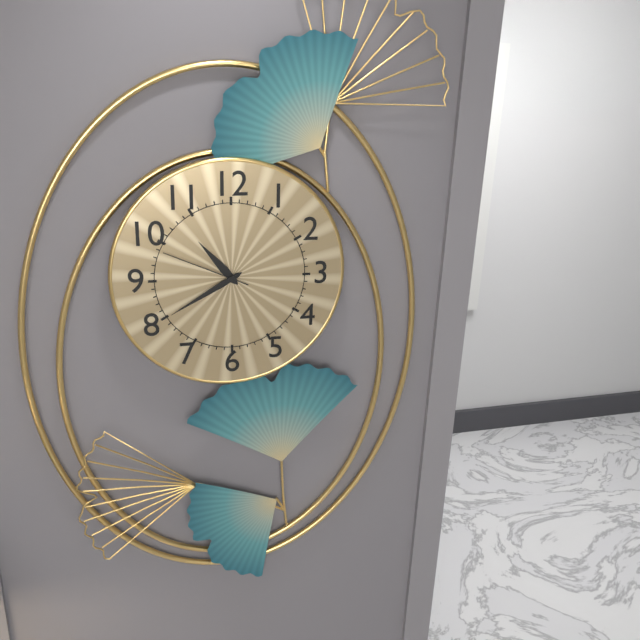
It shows 10:40:49
